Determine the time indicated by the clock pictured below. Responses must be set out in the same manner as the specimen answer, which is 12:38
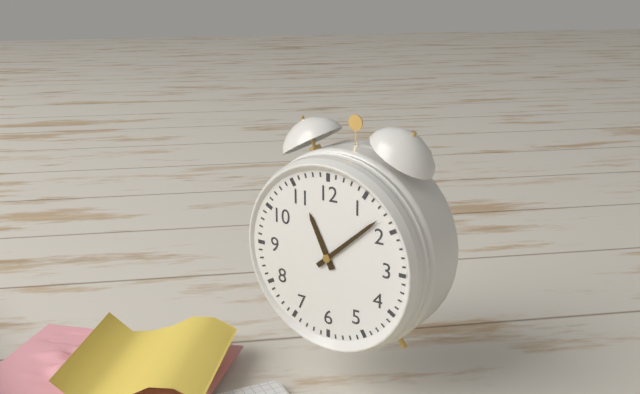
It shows 11:08
